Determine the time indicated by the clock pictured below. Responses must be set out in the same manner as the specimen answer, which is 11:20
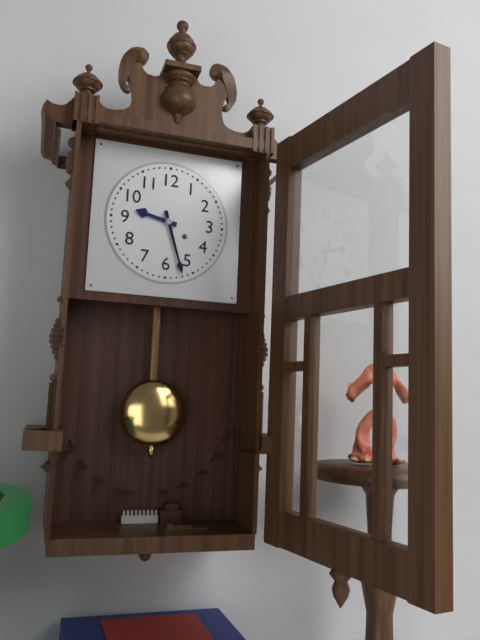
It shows 9:27
